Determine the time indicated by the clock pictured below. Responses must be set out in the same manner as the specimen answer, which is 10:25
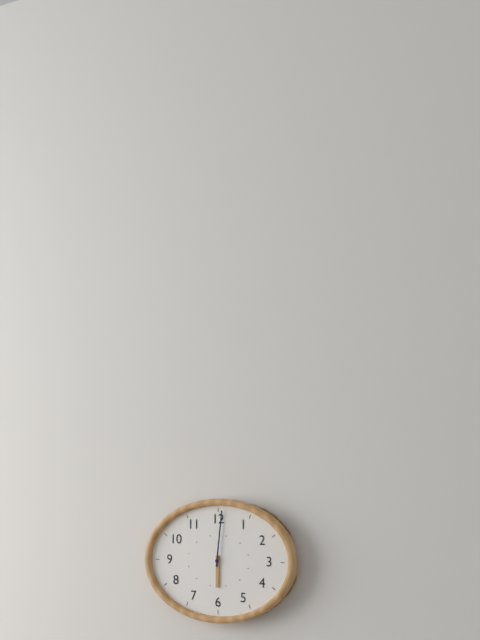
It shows 6:01
